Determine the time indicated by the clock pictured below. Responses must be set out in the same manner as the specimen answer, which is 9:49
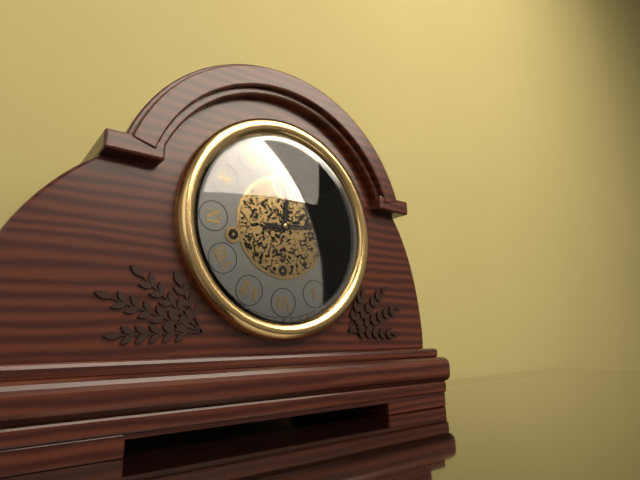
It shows 12:14
